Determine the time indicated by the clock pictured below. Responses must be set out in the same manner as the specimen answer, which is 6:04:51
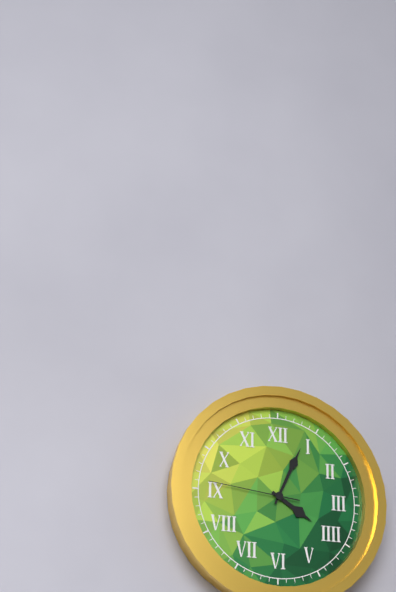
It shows 4:04:46
